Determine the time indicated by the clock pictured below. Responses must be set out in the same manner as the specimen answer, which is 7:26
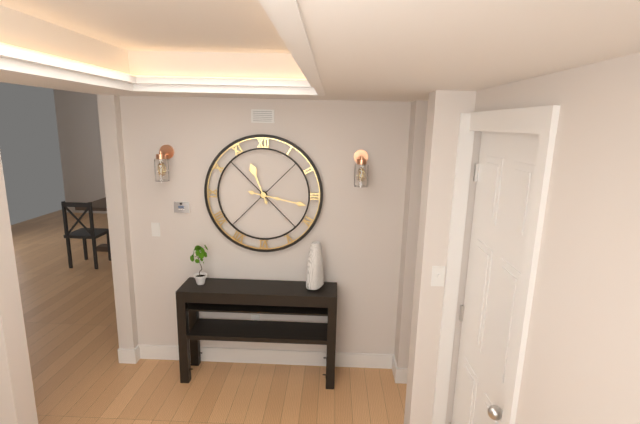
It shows 11:17
